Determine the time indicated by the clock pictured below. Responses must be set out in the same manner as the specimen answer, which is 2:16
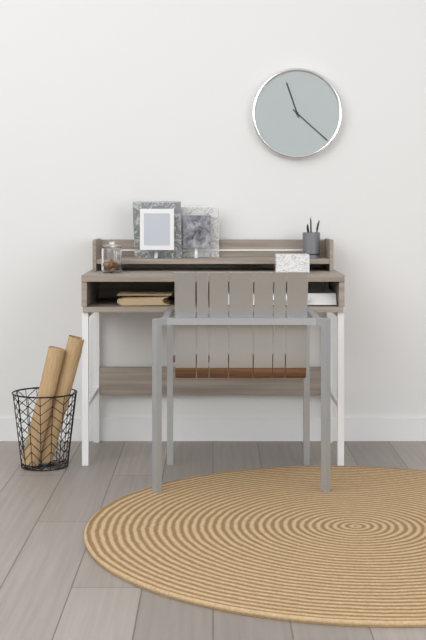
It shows 11:22
